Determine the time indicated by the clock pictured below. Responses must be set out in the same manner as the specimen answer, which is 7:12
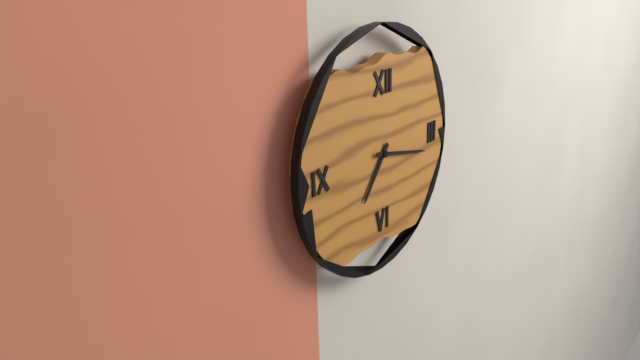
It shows 7:17
